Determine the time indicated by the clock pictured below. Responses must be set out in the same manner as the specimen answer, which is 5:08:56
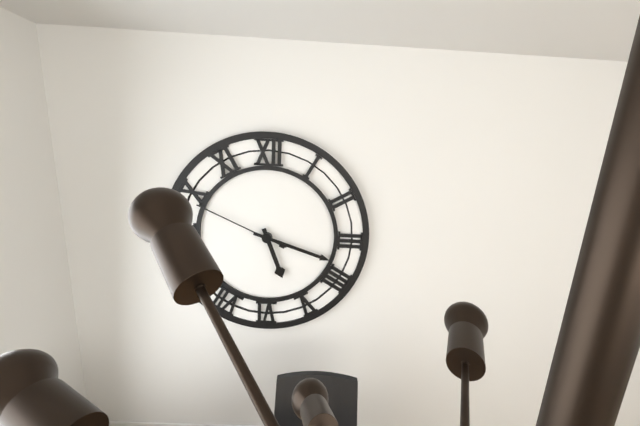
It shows 5:18:49
